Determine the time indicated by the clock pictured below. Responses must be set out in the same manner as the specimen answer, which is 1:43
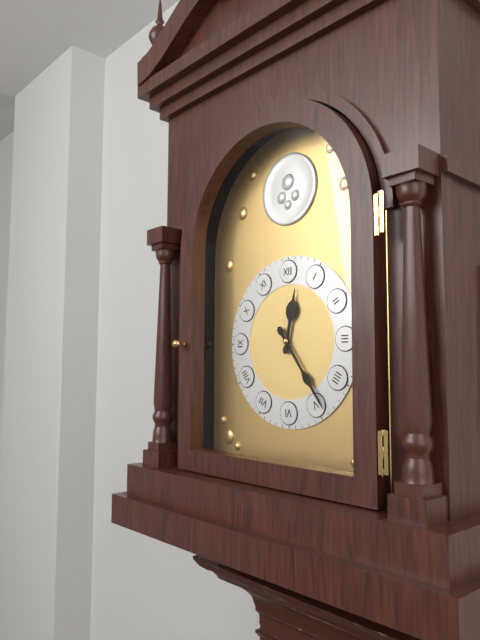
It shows 12:24
